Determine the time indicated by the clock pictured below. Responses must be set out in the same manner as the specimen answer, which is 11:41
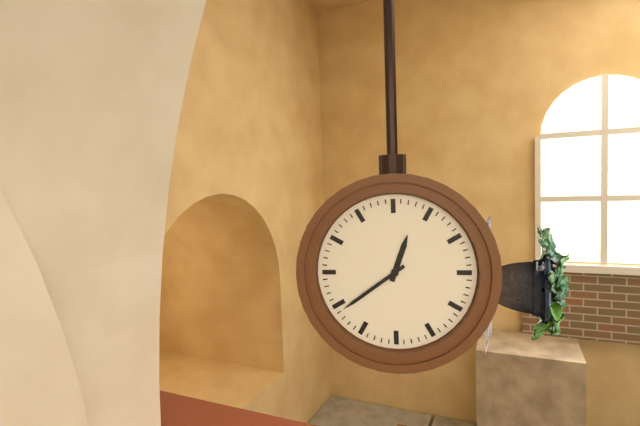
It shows 12:39
